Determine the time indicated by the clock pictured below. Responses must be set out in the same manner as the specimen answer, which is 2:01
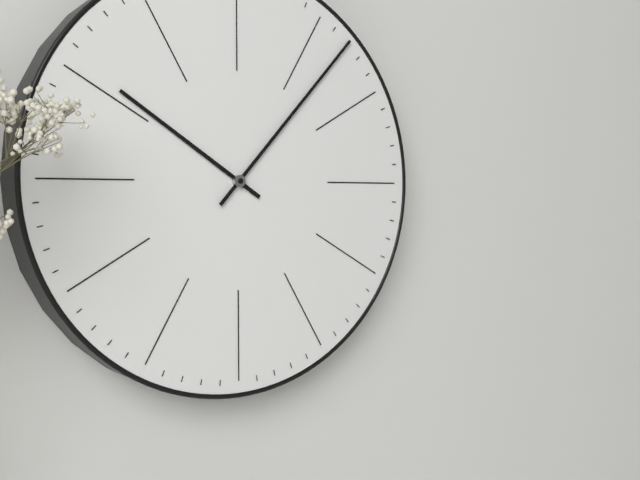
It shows 10:07
